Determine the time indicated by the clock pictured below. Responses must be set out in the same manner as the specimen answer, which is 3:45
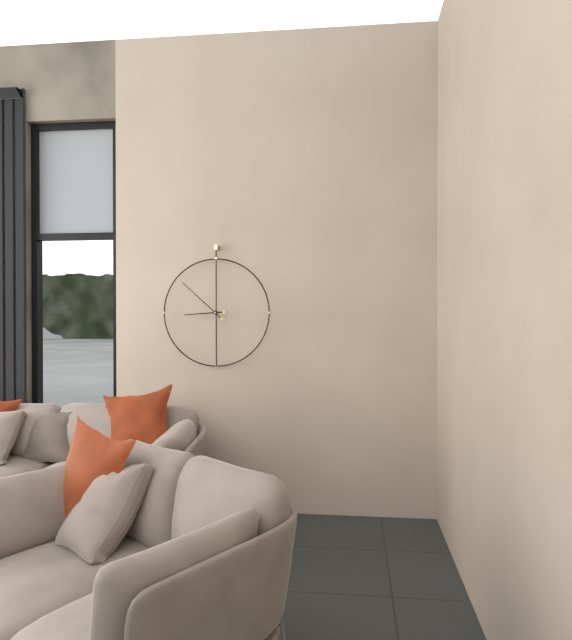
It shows 8:52
